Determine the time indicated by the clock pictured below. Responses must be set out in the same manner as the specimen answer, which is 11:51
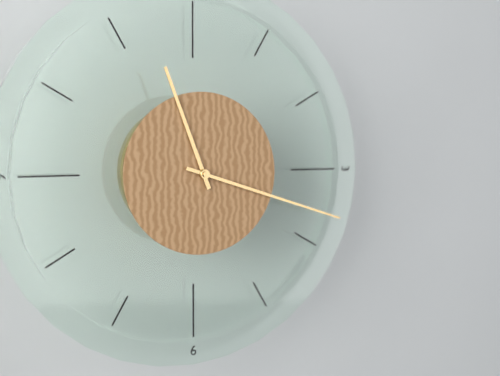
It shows 11:18
